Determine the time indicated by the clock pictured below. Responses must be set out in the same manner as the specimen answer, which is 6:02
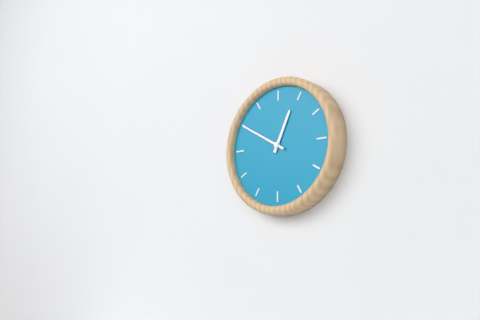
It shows 12:50
